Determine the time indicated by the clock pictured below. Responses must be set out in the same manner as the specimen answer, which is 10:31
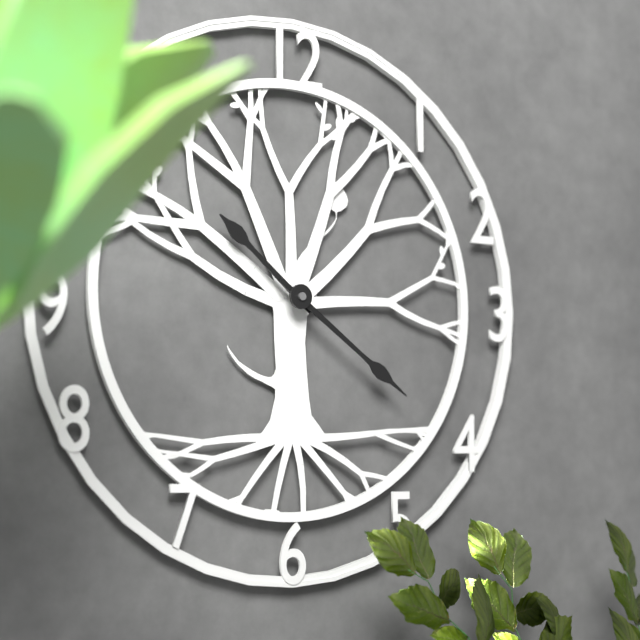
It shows 10:21
